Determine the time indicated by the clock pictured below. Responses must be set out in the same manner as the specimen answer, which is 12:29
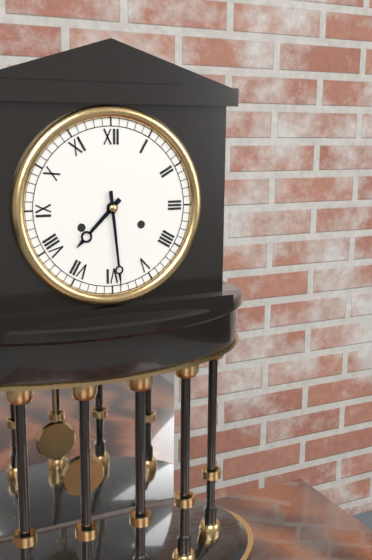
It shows 7:29
